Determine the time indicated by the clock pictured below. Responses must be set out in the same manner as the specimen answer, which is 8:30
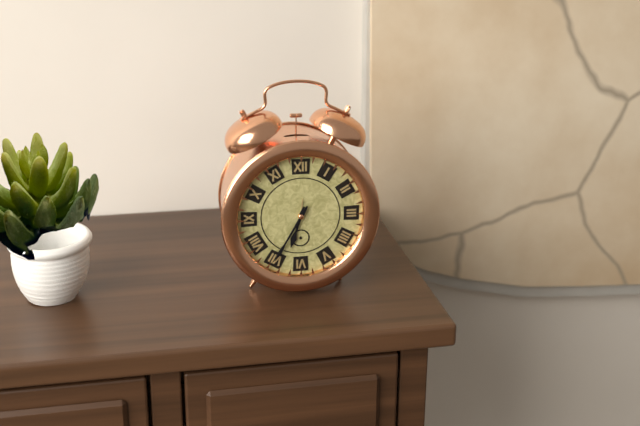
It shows 6:35
